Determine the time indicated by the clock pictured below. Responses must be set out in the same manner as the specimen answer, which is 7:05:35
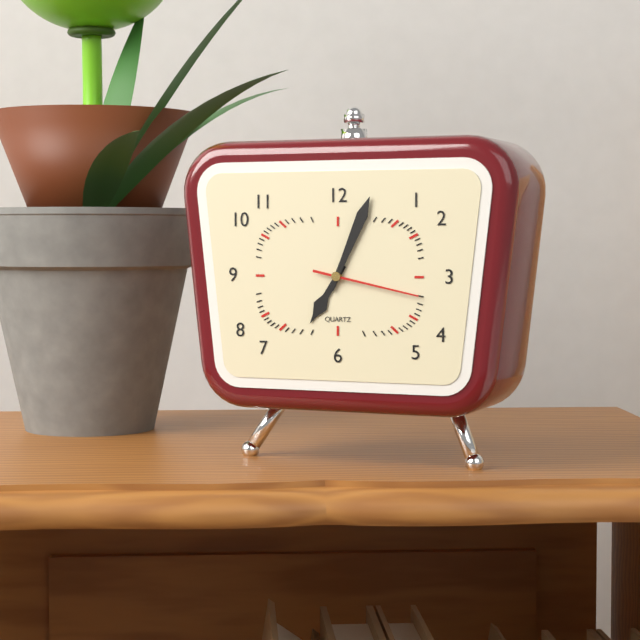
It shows 7:04:17
